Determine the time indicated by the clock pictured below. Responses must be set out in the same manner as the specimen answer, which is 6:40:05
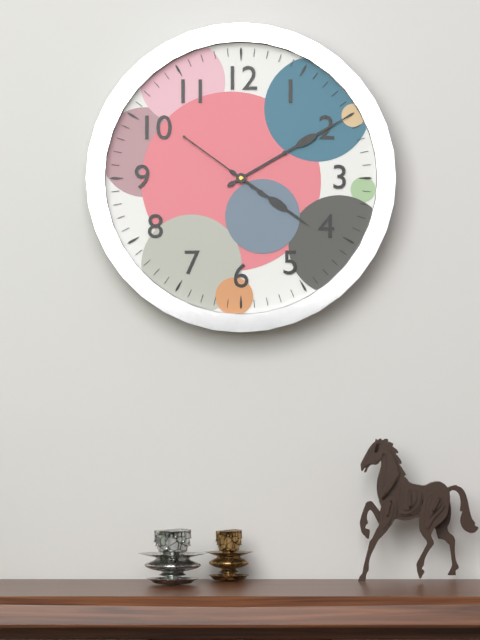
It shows 4:10:51
